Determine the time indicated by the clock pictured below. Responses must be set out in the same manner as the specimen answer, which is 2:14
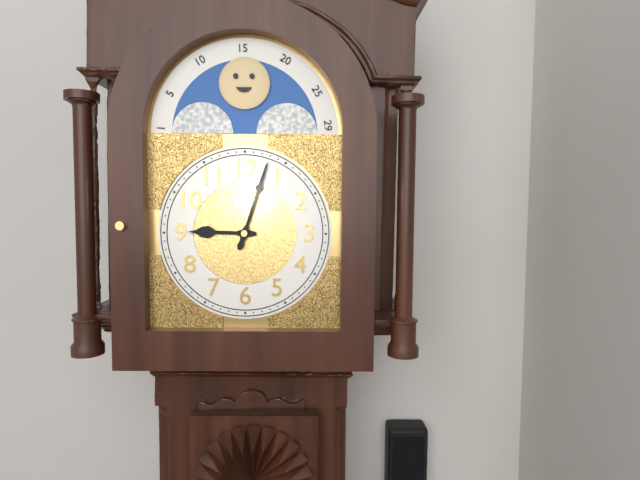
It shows 9:03
